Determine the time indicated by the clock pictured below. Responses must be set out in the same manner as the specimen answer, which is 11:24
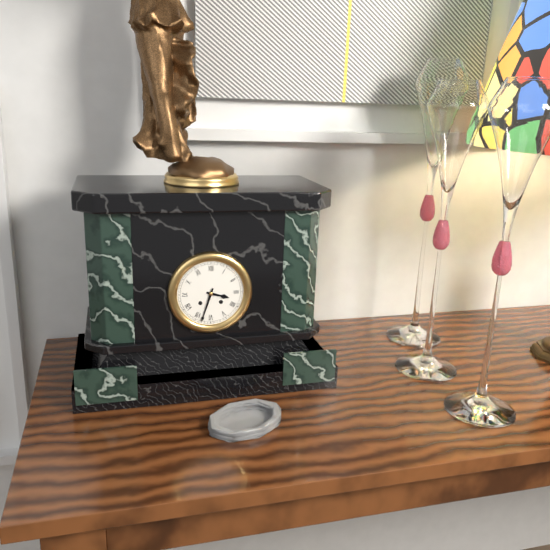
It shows 3:33
